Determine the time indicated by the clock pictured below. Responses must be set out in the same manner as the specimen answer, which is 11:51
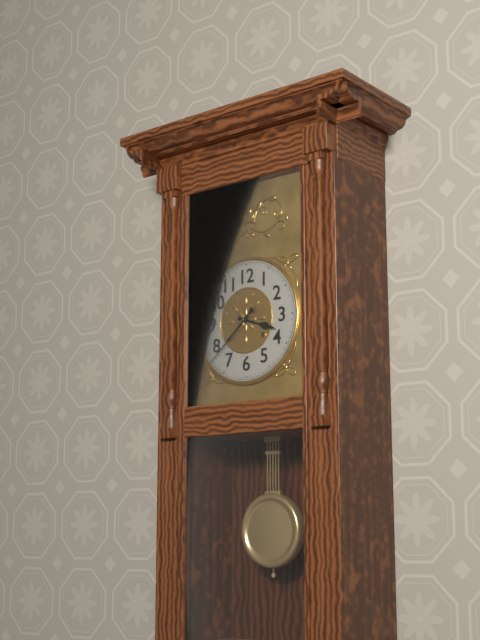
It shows 3:38
